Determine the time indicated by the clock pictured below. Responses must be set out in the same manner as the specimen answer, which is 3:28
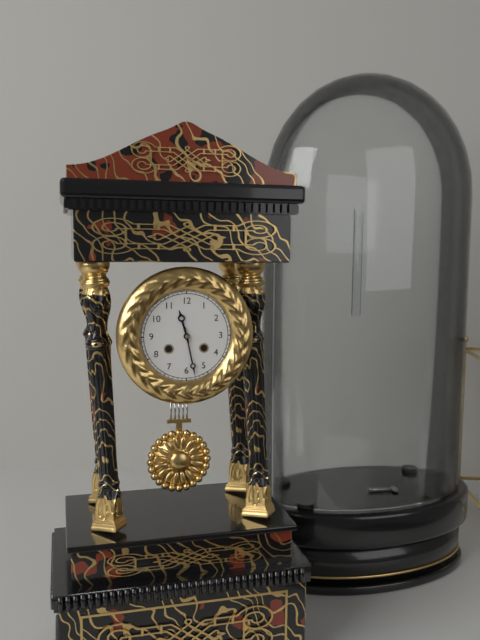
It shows 11:28
